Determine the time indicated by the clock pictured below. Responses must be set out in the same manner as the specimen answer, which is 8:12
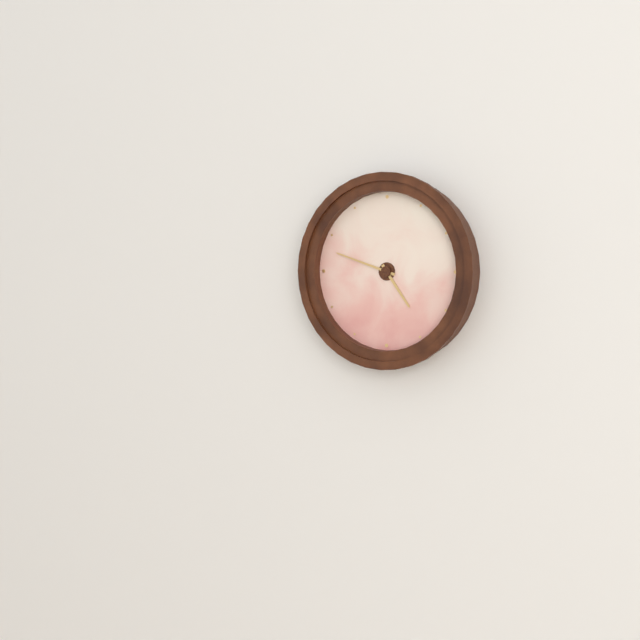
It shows 4:48
